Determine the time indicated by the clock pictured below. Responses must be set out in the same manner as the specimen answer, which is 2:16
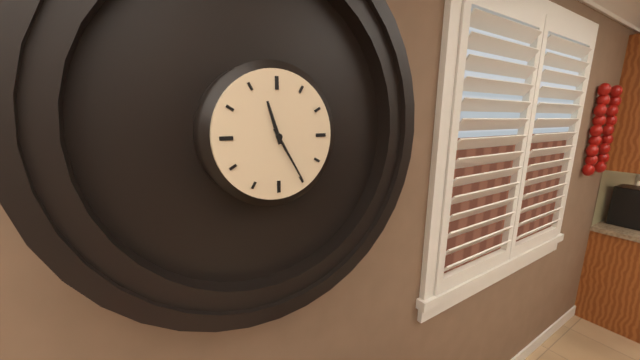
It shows 11:25
